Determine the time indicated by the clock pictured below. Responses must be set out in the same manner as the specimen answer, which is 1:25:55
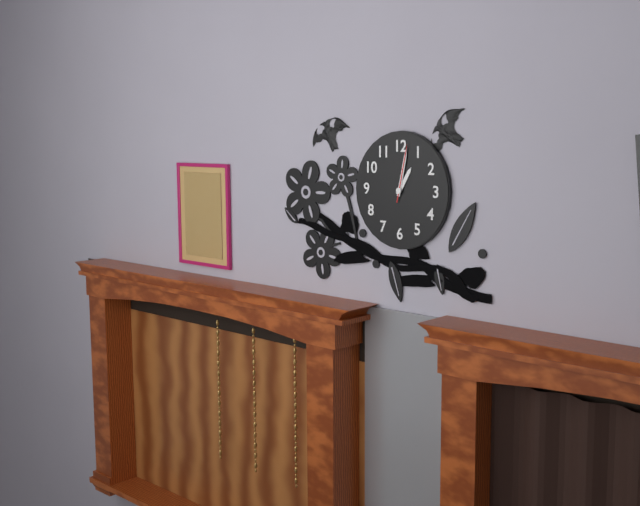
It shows 1:02:02
